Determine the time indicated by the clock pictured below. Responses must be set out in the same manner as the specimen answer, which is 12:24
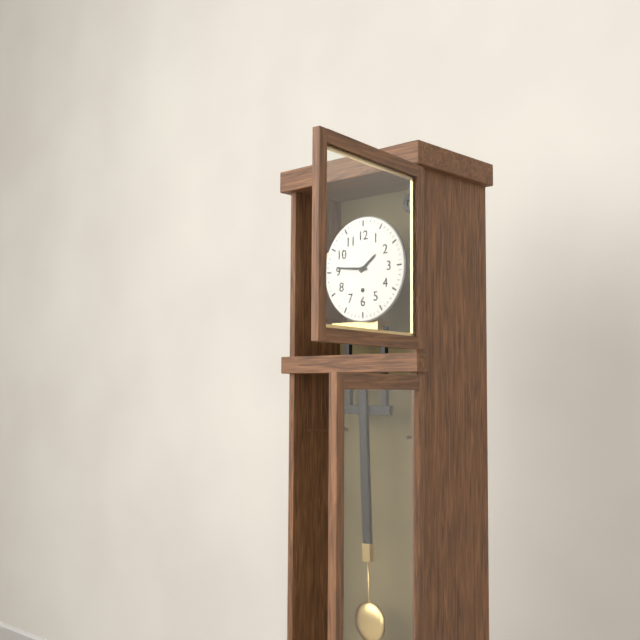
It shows 1:46
